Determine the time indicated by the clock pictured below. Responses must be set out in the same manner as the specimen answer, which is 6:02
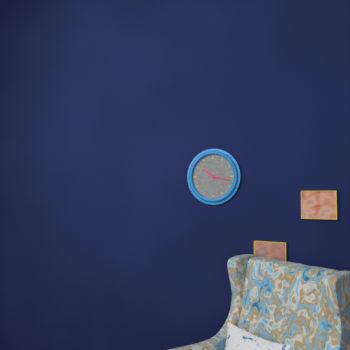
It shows 10:17
